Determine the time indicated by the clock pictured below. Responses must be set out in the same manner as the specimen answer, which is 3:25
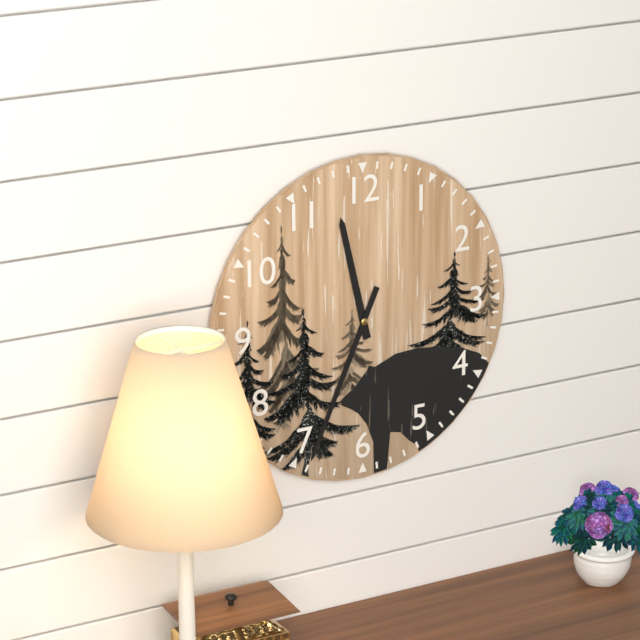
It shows 11:34
